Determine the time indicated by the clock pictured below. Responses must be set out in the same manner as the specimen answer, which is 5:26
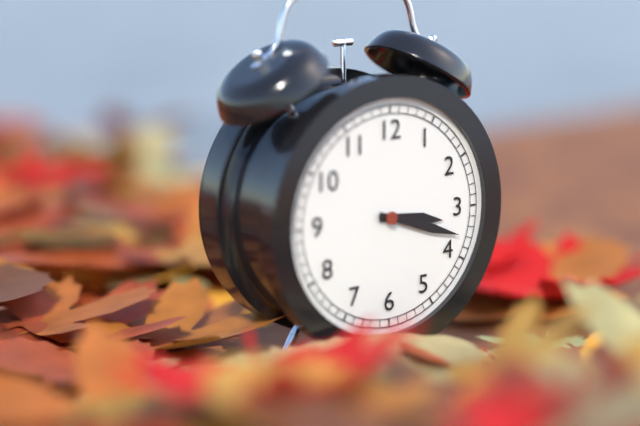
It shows 3:18
